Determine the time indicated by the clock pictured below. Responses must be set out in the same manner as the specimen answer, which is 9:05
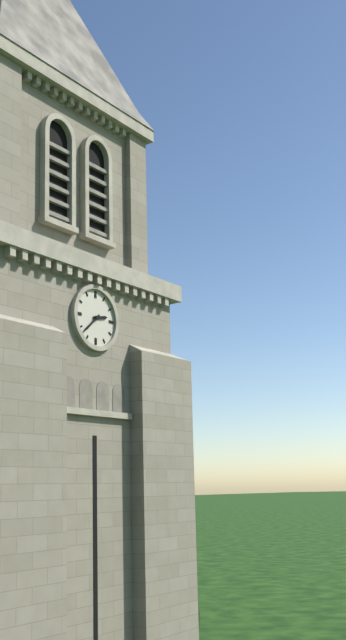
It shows 2:38
